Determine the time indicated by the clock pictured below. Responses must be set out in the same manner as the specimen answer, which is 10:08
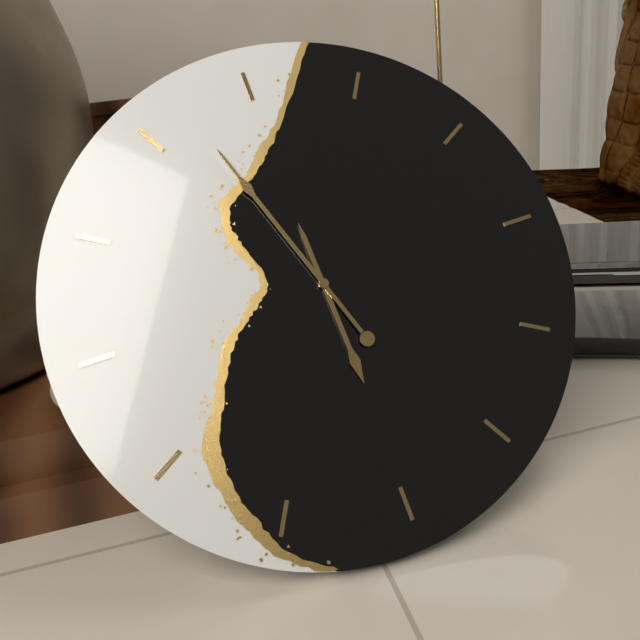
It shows 5:57
